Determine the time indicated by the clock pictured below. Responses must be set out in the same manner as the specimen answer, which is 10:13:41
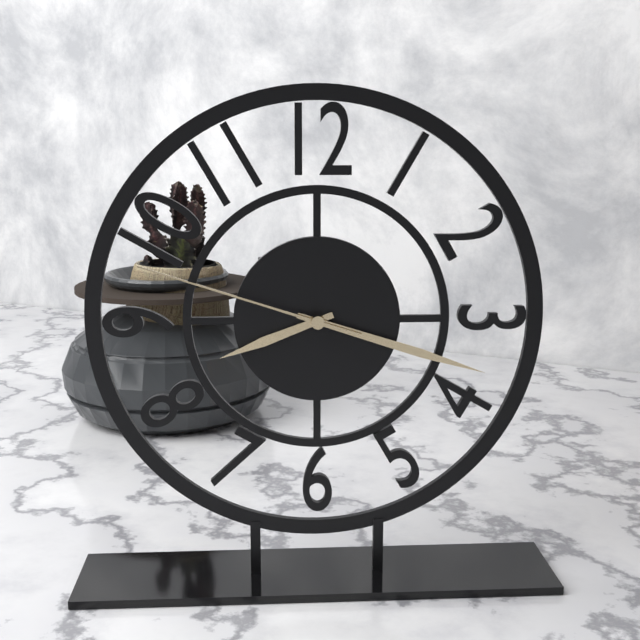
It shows 8:18:48
